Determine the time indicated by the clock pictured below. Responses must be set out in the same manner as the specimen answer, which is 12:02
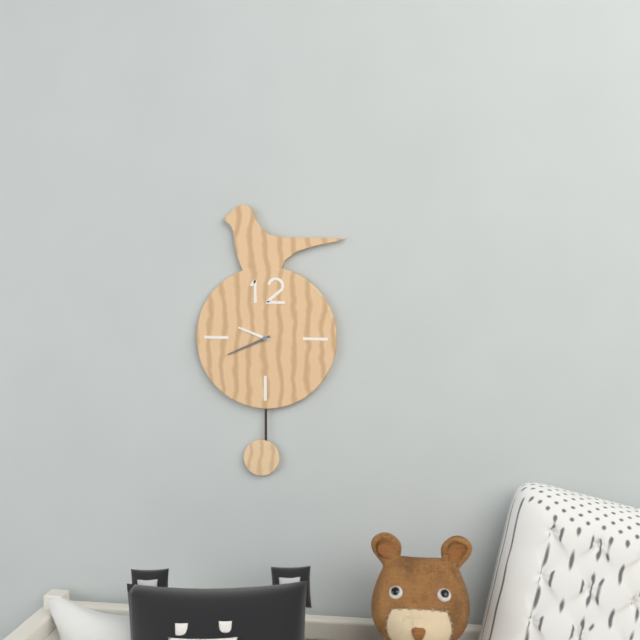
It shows 9:41
